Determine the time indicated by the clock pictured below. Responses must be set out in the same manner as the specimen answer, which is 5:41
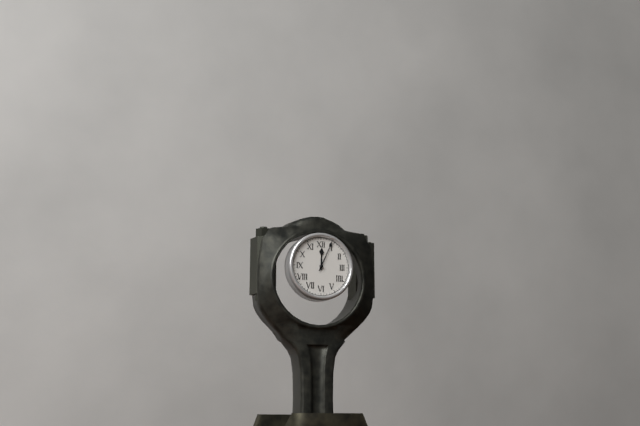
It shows 12:04
